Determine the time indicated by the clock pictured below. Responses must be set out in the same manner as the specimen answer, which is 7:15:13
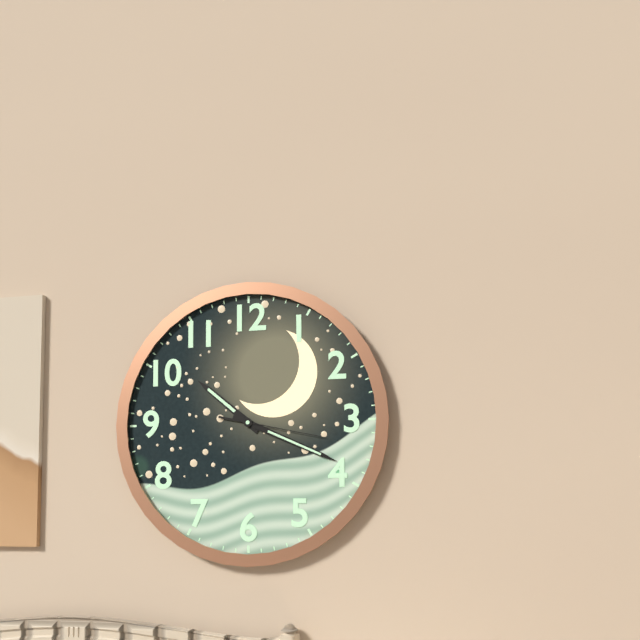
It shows 10:19:17
